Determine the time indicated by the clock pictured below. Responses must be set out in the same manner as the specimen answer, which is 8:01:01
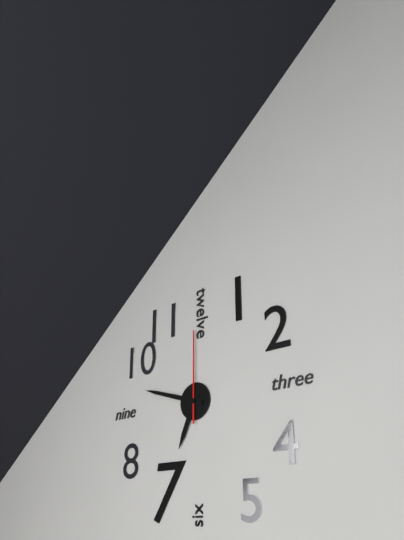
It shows 6:48:00
